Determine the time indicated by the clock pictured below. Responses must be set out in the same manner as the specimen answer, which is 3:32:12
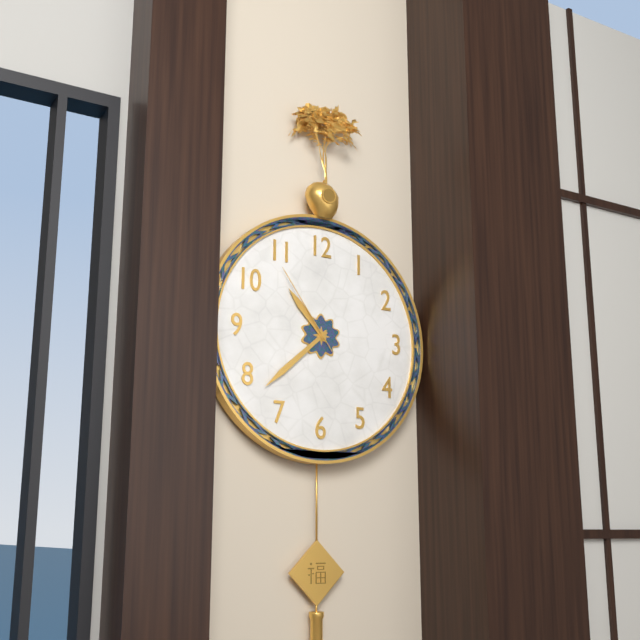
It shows 10:38:54
